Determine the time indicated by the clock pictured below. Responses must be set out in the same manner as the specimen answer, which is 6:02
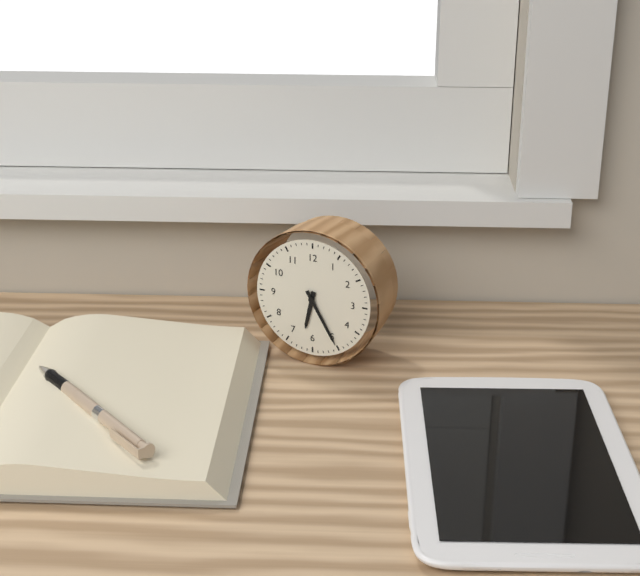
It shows 6:25
